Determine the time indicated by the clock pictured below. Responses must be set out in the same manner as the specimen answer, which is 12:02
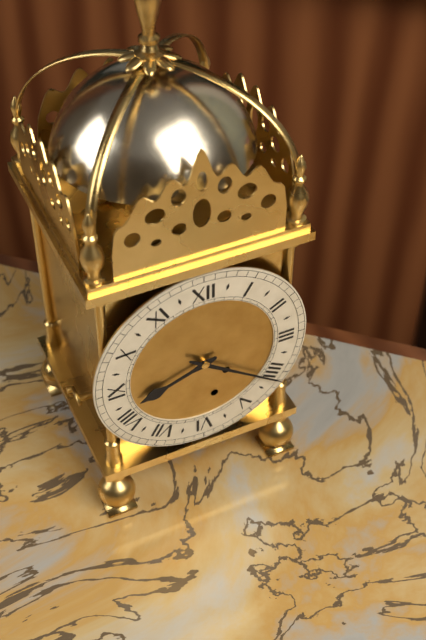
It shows 8:21
